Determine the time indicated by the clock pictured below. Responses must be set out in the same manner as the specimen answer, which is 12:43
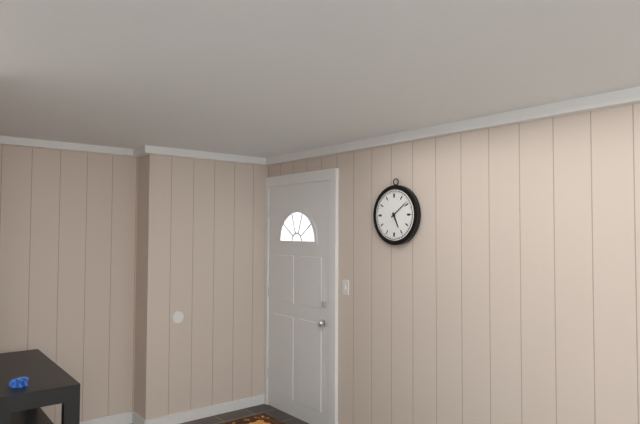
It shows 5:09
